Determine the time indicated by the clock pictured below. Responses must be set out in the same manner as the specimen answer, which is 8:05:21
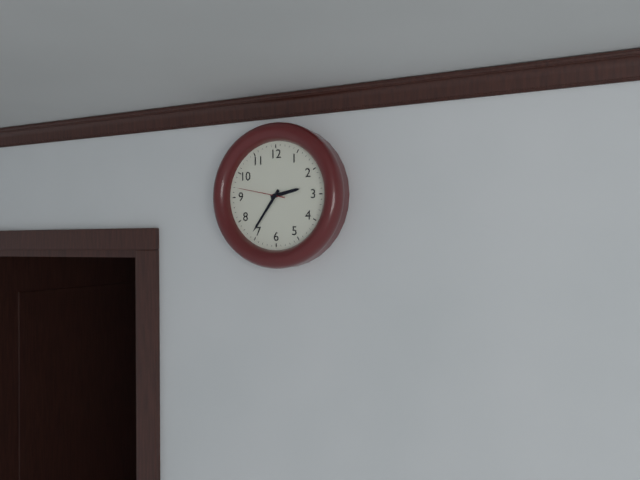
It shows 2:36:47
